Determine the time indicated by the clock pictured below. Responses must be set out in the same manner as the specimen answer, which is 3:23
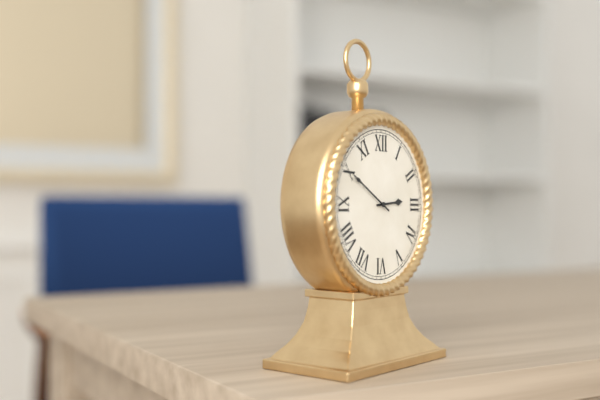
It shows 2:50
